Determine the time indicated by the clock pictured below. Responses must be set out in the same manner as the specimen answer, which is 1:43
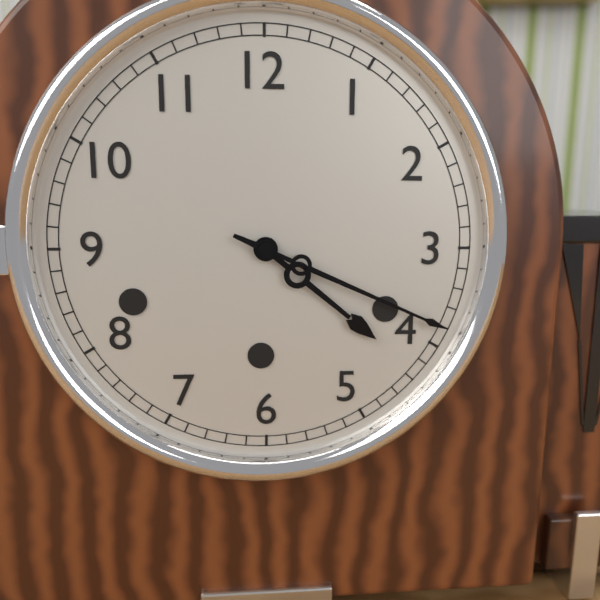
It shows 4:19
